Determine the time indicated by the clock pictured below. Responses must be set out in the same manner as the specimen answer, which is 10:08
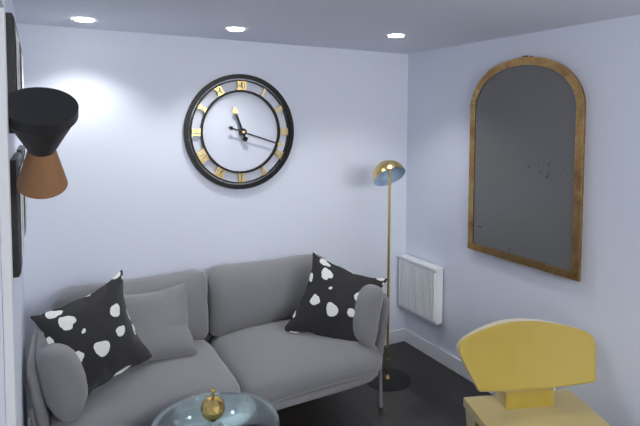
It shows 11:18
